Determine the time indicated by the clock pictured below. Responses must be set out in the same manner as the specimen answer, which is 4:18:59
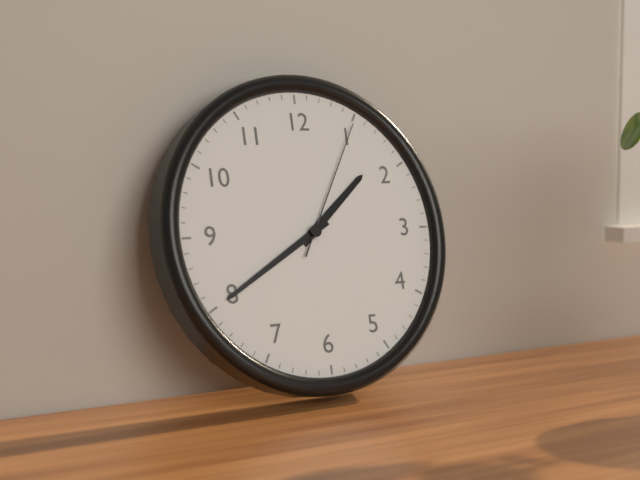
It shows 1:40:05
